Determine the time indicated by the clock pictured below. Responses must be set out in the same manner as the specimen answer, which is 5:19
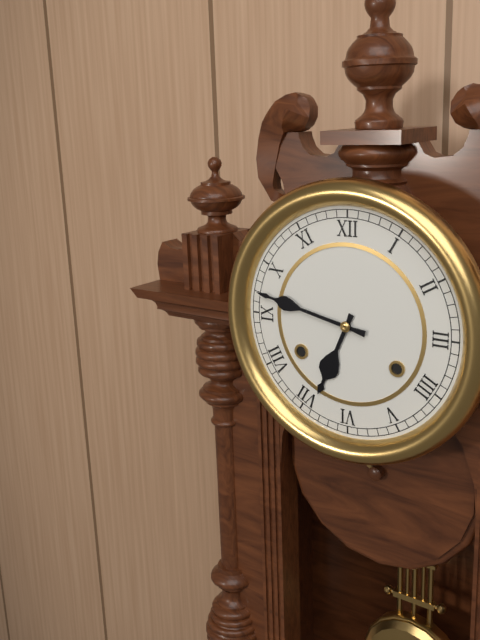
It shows 6:47
